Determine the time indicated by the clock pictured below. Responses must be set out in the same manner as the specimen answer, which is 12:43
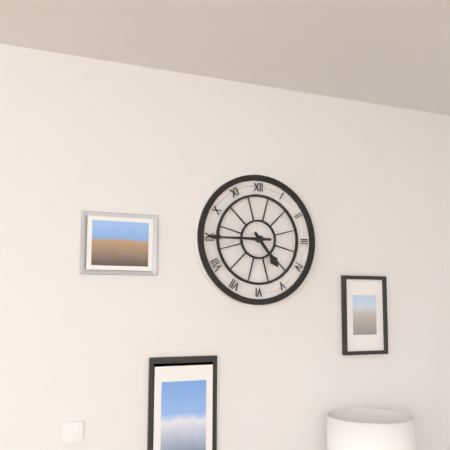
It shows 4:45
